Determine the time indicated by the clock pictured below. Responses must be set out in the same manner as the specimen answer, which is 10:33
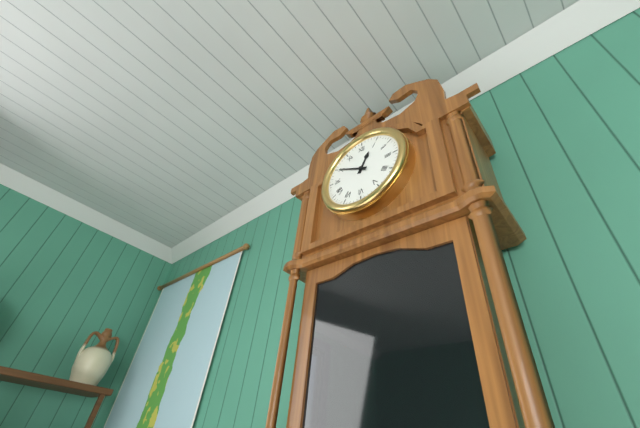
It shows 12:50
